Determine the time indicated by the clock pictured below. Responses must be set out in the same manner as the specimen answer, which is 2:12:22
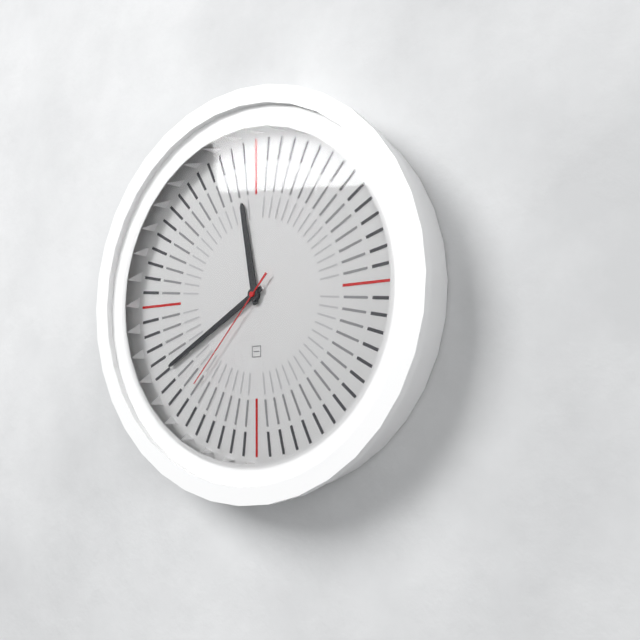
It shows 11:40:37
